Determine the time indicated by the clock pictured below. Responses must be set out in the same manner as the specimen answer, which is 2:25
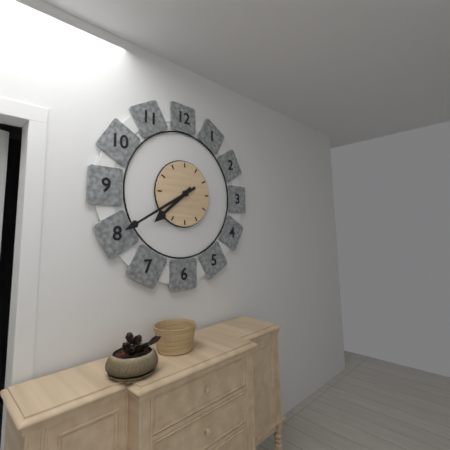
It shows 7:40
